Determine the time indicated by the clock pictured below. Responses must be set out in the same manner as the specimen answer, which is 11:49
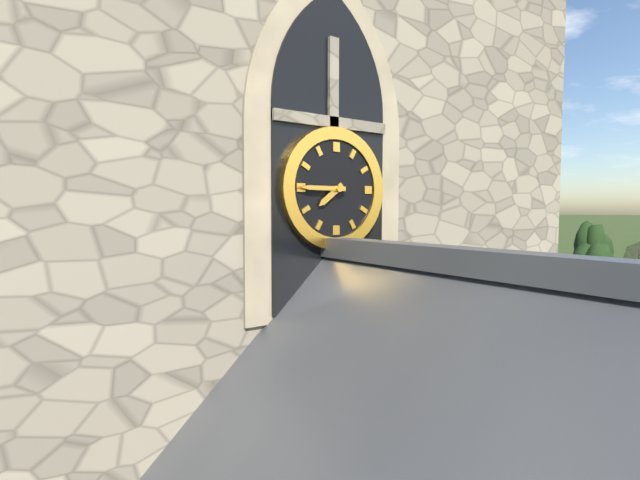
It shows 7:45
